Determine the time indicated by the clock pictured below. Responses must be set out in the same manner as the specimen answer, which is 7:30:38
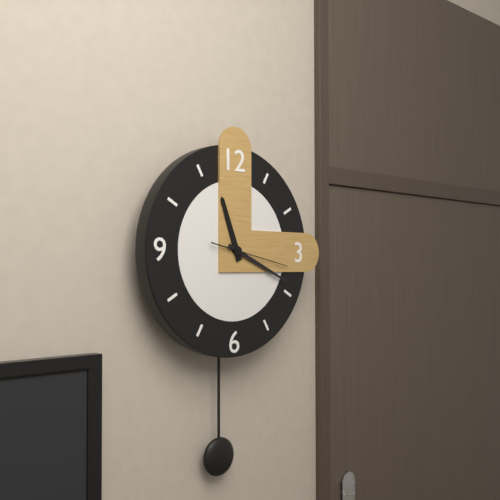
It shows 11:19:17
